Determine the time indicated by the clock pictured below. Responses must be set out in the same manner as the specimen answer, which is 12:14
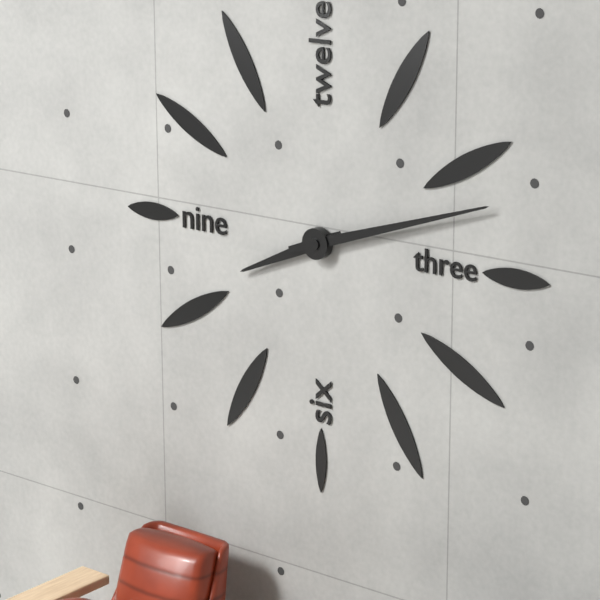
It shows 8:12
